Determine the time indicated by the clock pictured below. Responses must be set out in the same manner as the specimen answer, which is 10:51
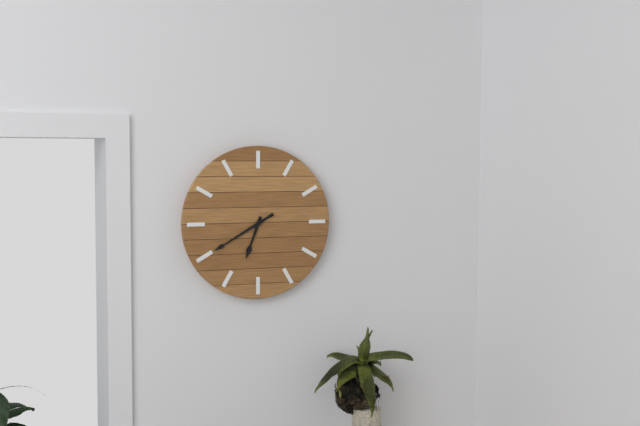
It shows 6:40
